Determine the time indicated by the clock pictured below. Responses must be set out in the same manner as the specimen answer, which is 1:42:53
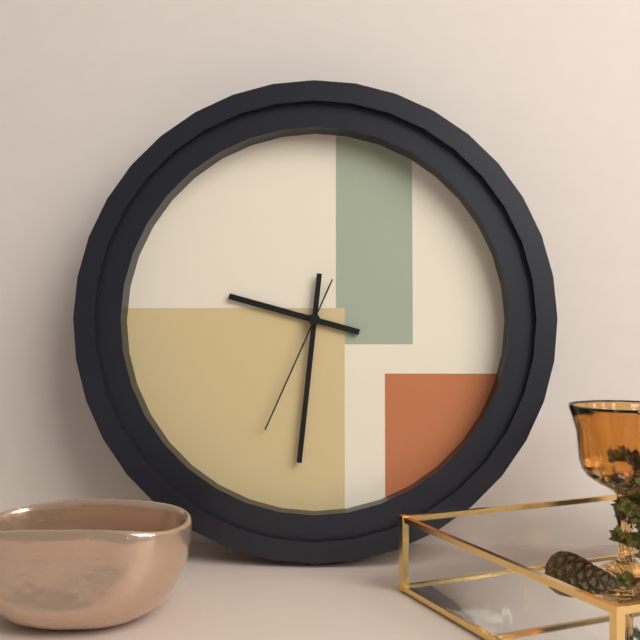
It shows 9:31:34
